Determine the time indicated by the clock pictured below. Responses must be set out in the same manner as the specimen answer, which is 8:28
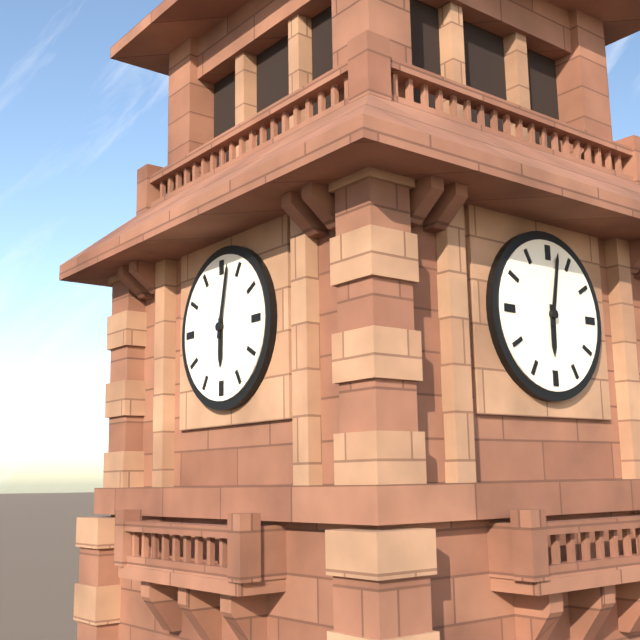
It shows 6:02
